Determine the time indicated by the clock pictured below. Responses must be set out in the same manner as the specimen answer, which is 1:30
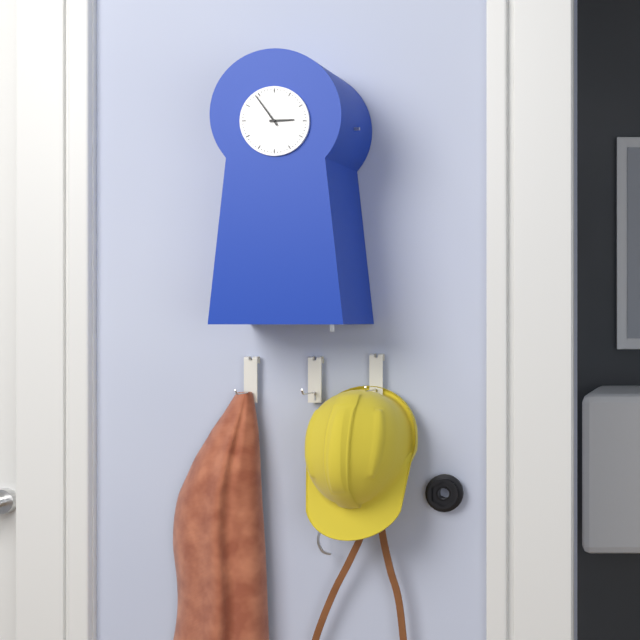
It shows 2:54
